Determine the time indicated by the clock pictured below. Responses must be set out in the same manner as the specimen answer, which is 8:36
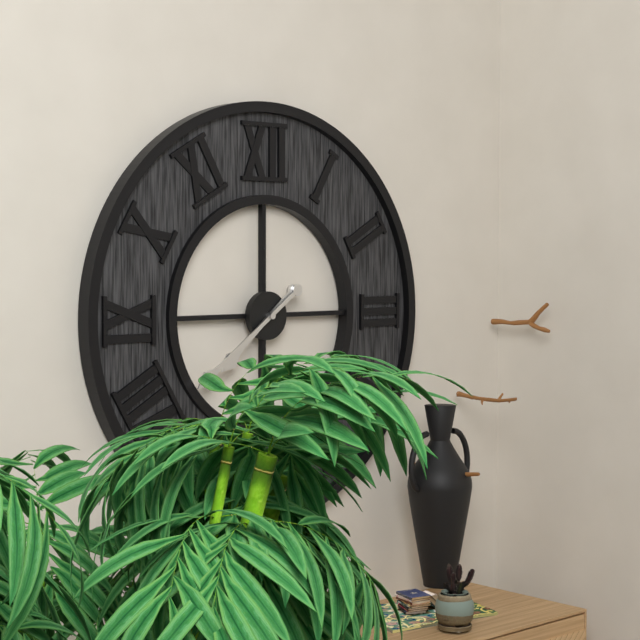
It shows 7:39
